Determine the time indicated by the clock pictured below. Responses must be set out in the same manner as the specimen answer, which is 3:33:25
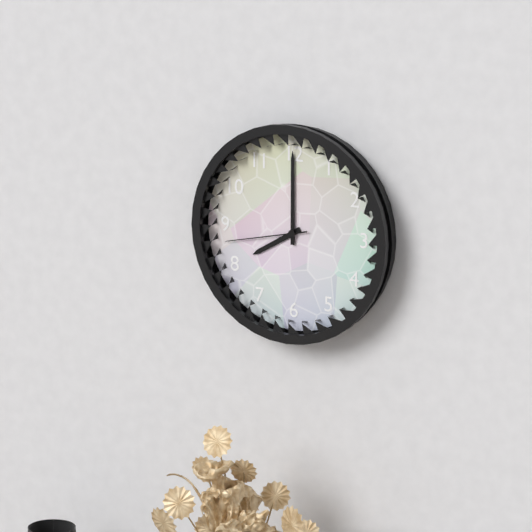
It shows 8:00:43
